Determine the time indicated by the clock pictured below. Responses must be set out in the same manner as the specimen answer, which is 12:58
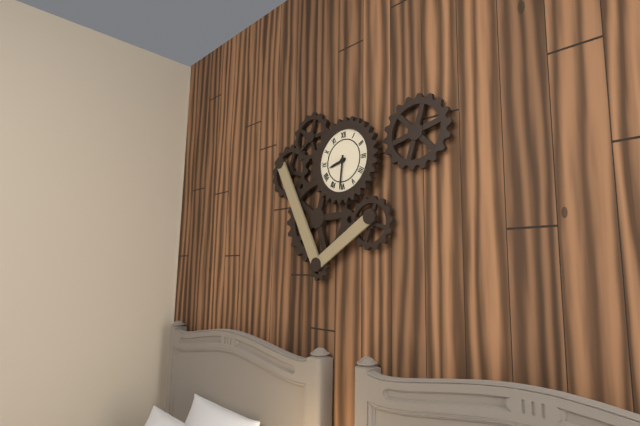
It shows 8:31
